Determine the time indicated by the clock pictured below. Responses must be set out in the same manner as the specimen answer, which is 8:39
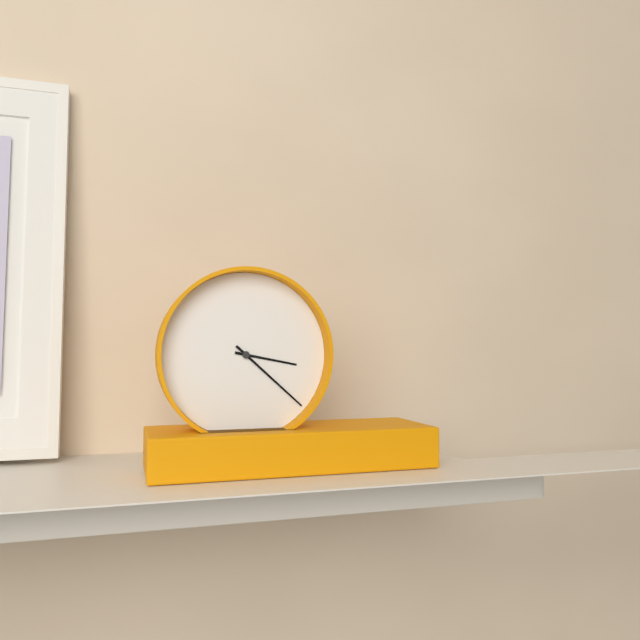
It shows 3:22
